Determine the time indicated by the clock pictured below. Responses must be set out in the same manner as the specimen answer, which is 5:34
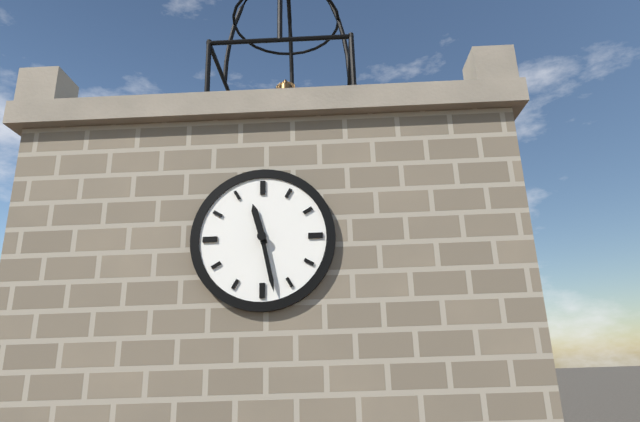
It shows 11:28
